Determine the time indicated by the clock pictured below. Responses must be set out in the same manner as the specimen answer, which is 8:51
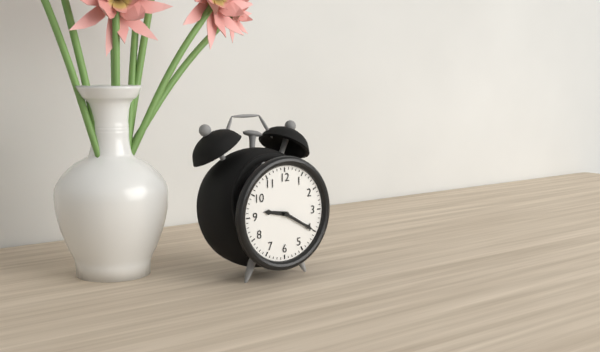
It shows 9:20
